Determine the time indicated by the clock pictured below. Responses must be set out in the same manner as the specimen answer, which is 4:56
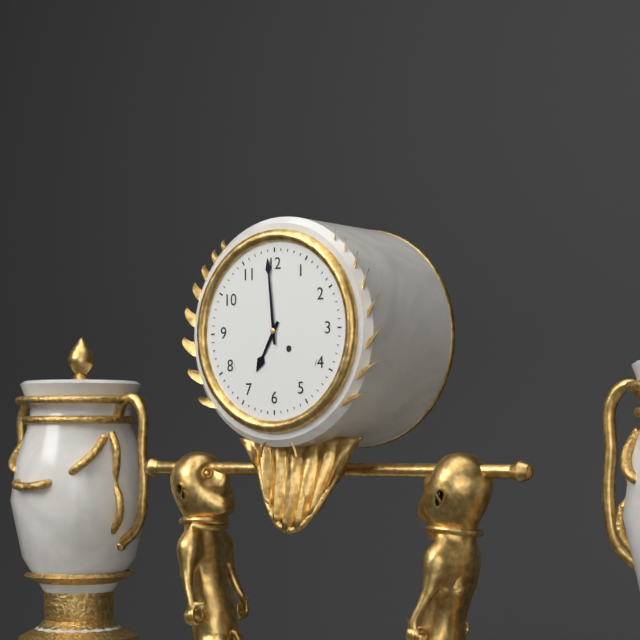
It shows 6:59
